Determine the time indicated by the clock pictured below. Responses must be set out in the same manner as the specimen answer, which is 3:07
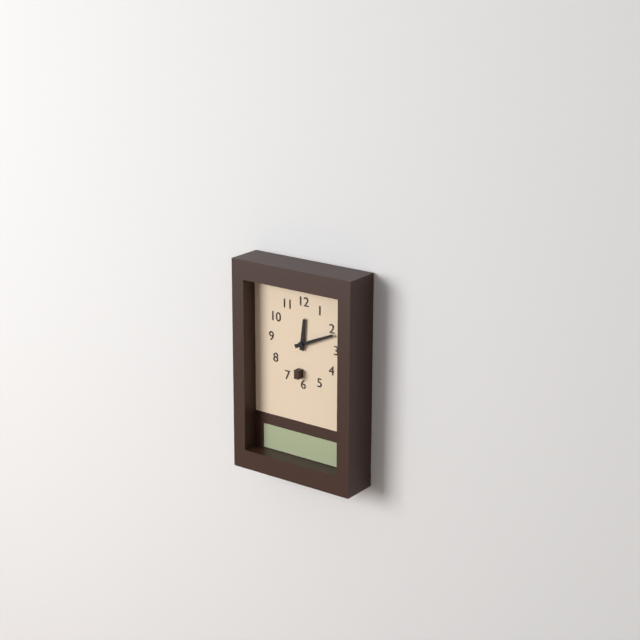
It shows 12:11
